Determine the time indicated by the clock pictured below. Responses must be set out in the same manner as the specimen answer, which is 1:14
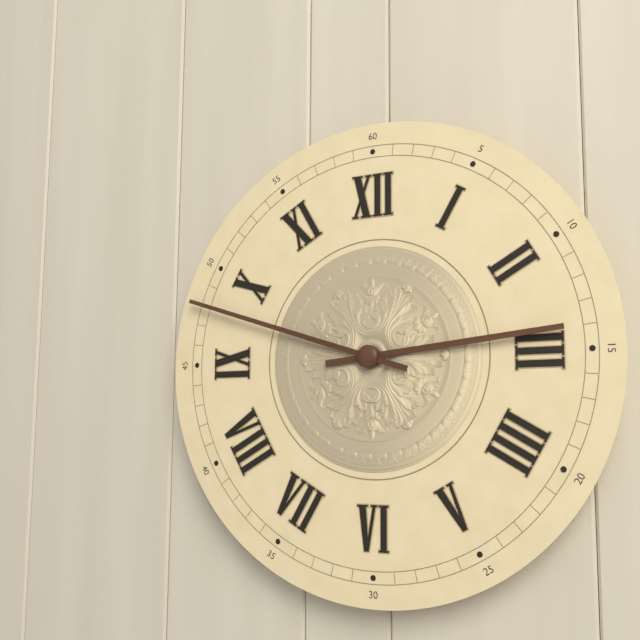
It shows 2:48
